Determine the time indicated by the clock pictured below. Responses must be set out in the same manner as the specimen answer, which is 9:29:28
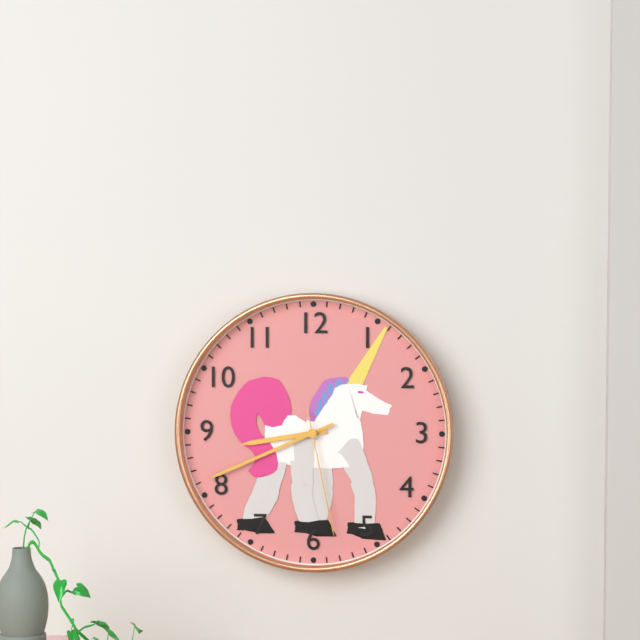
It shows 8:41:28
